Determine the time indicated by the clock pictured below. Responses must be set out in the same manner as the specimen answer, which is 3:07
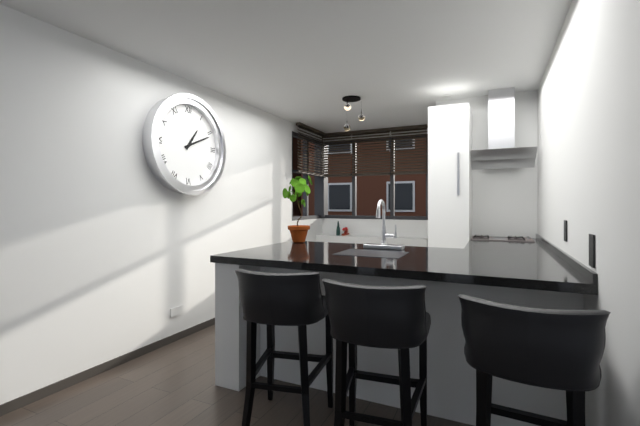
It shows 1:11
